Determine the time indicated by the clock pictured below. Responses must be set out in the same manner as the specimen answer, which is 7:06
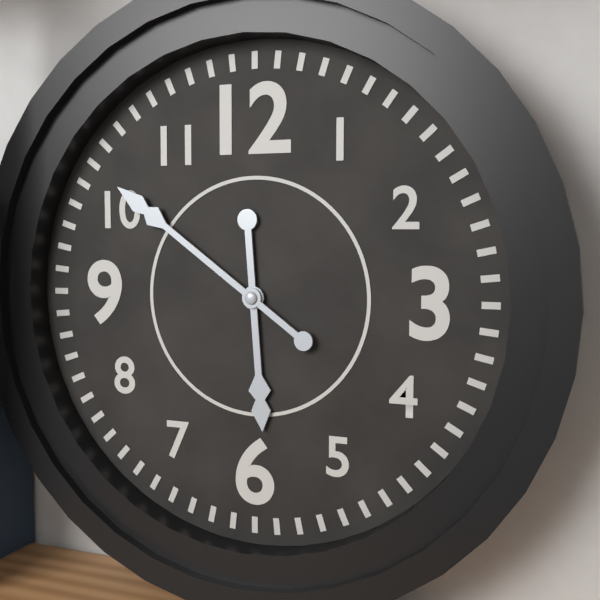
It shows 5:51
